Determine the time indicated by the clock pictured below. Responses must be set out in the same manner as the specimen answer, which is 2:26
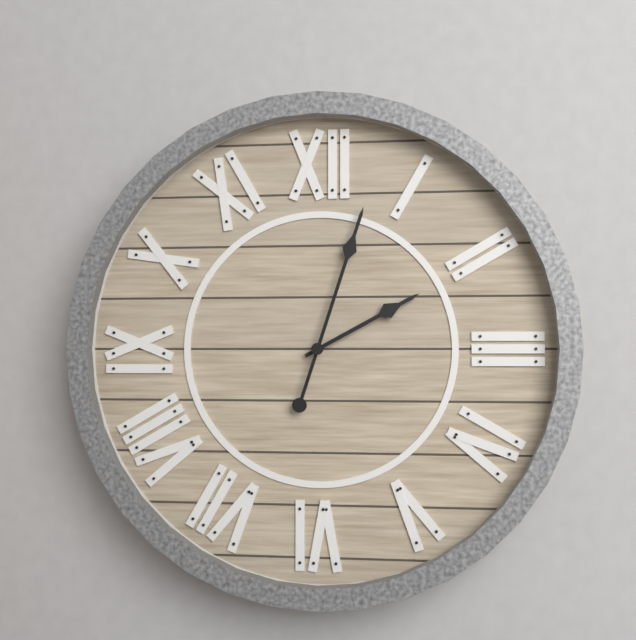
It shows 2:03
